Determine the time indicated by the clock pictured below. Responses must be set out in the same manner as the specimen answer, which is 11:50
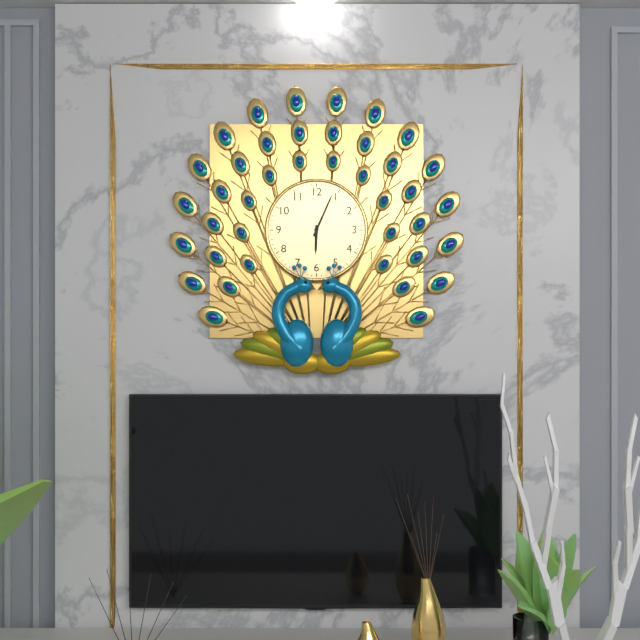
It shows 6:04
